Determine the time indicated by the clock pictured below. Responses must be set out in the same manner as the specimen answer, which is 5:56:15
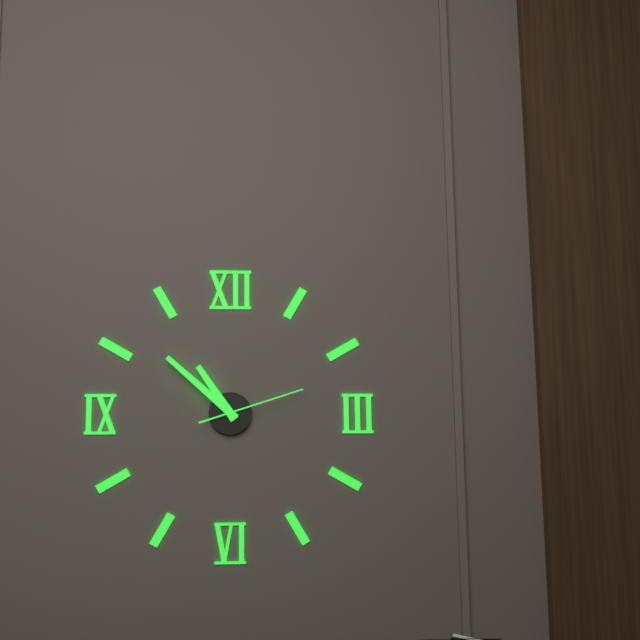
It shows 10:52:12
